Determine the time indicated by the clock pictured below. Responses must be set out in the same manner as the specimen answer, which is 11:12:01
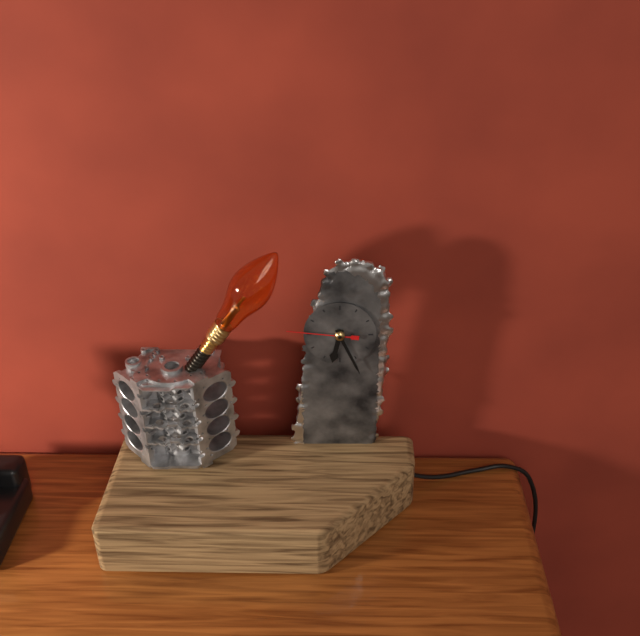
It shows 6:26:46
